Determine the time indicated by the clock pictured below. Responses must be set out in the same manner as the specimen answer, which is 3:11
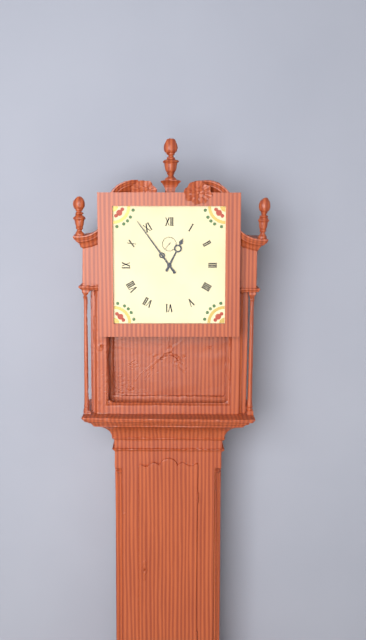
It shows 12:54
